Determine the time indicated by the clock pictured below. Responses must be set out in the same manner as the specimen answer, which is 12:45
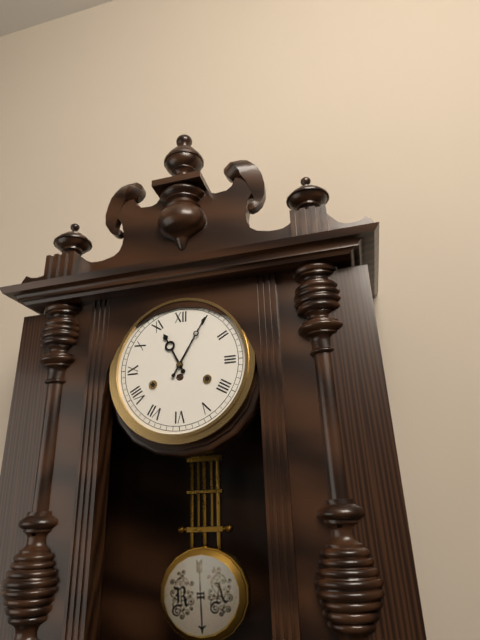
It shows 11:05
